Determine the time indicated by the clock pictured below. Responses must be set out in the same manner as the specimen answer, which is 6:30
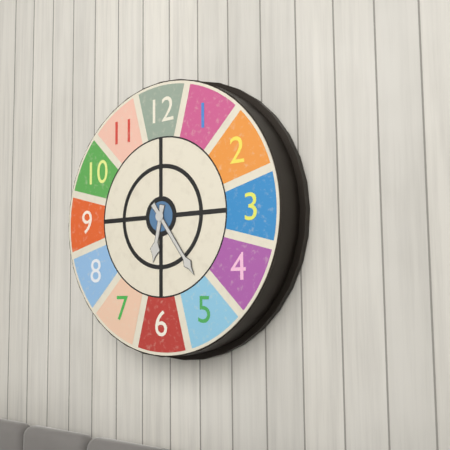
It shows 6:24
